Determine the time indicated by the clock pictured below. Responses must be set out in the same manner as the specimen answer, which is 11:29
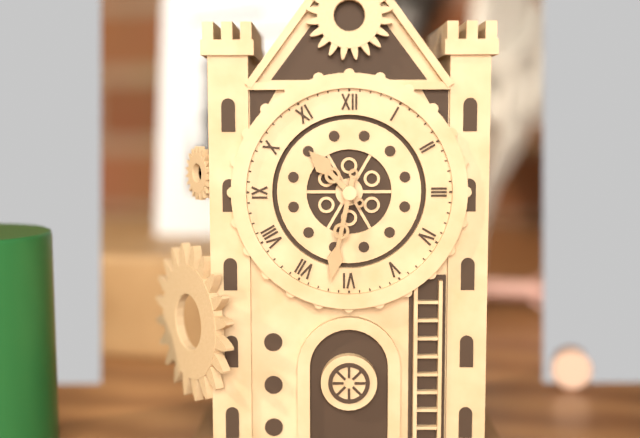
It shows 10:32
